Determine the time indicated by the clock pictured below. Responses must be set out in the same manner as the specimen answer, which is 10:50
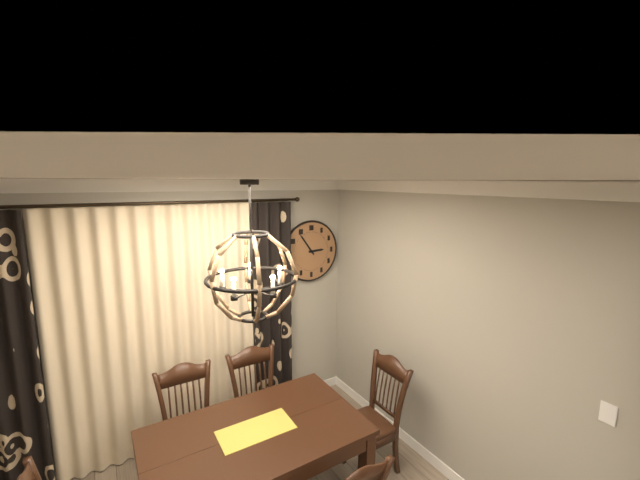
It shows 2:54
